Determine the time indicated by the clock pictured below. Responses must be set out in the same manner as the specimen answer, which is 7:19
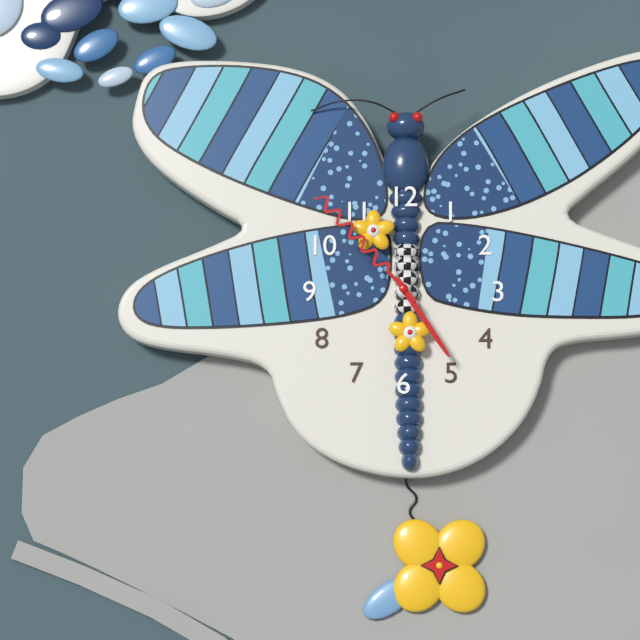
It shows 4:53
